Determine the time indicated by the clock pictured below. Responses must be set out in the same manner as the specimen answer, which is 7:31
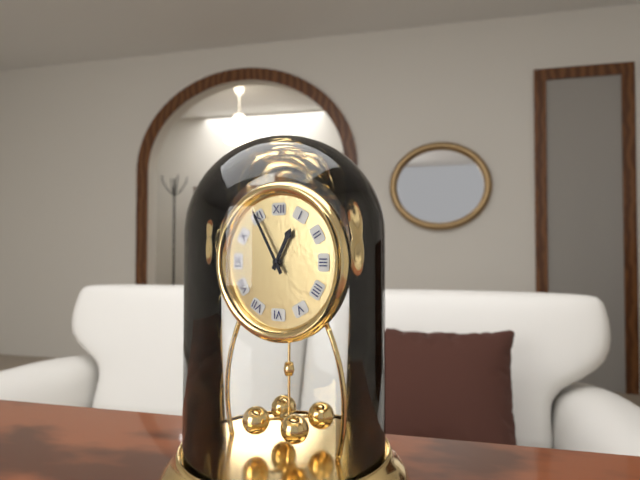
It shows 12:55
